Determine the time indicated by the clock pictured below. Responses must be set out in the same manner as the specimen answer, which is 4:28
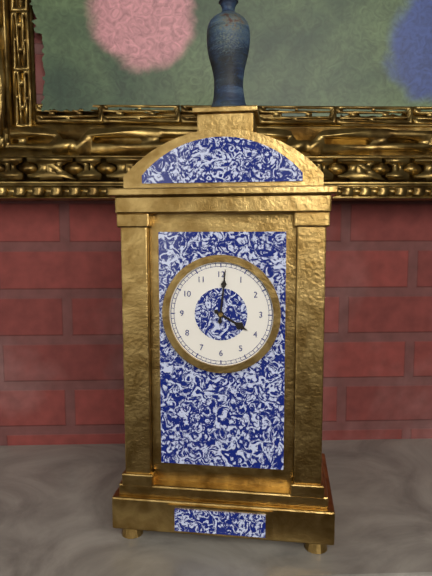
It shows 4:01
